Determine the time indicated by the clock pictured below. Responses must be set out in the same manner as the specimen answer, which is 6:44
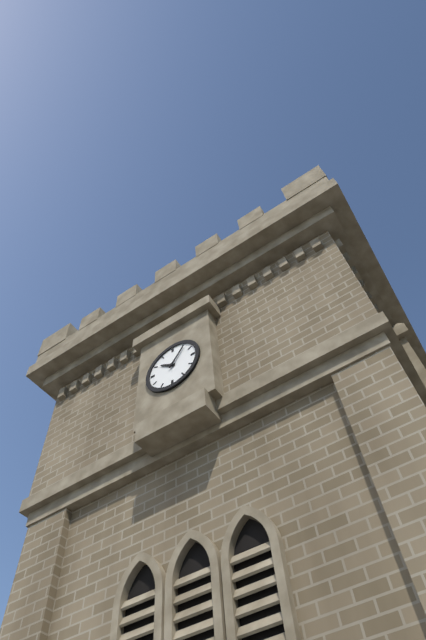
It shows 10:06
